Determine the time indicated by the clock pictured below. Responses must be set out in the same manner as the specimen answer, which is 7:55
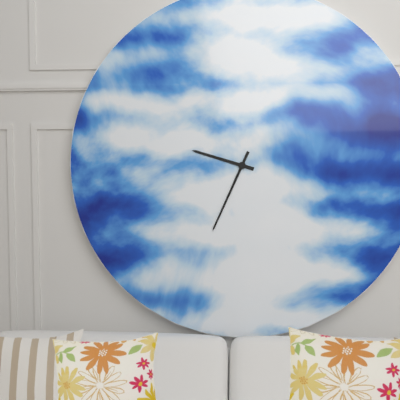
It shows 9:34
